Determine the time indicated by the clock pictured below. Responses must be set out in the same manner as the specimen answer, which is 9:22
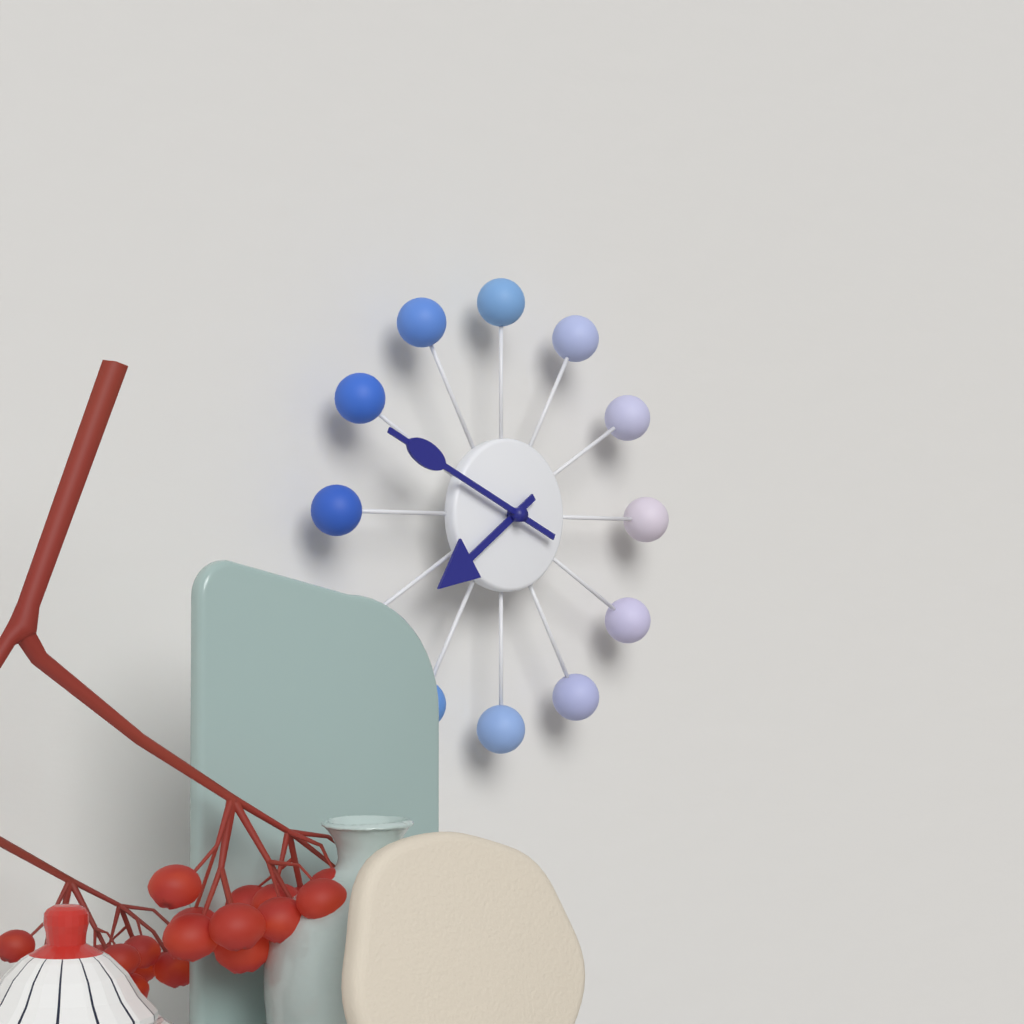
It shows 7:49
